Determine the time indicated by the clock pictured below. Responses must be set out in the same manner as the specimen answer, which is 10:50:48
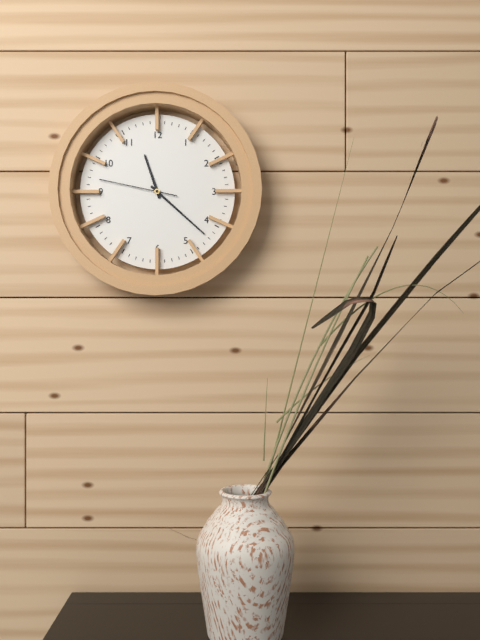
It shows 11:22:47
